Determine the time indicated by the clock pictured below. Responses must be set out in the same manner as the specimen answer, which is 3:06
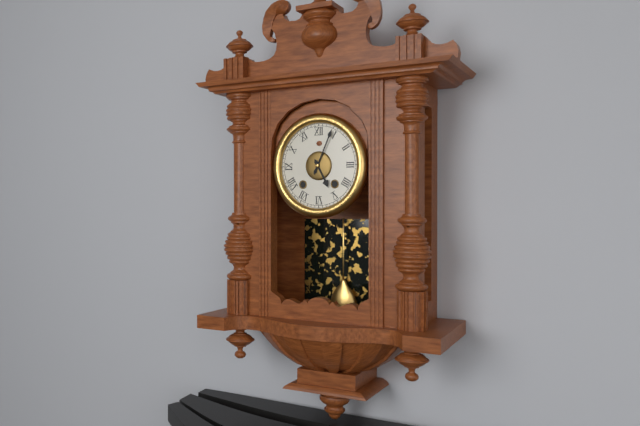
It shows 5:04
